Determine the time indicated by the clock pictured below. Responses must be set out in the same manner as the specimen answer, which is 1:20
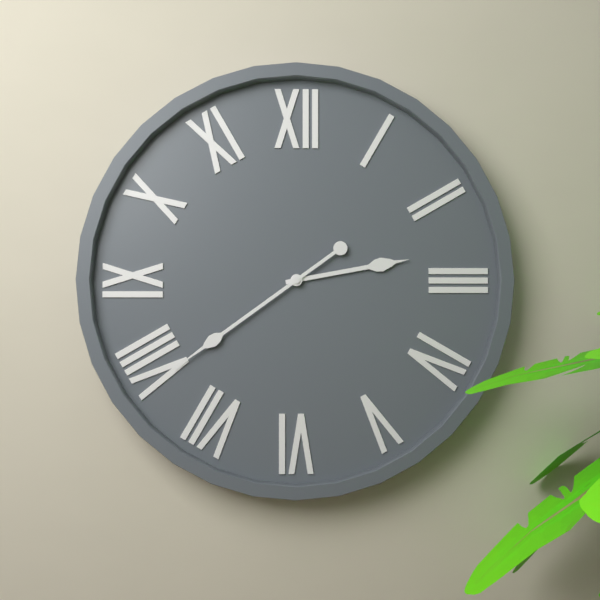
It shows 2:39
